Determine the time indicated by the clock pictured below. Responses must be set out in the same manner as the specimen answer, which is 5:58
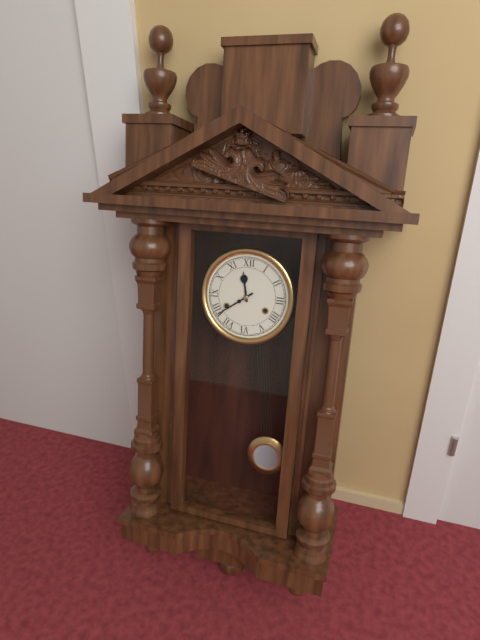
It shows 11:39
